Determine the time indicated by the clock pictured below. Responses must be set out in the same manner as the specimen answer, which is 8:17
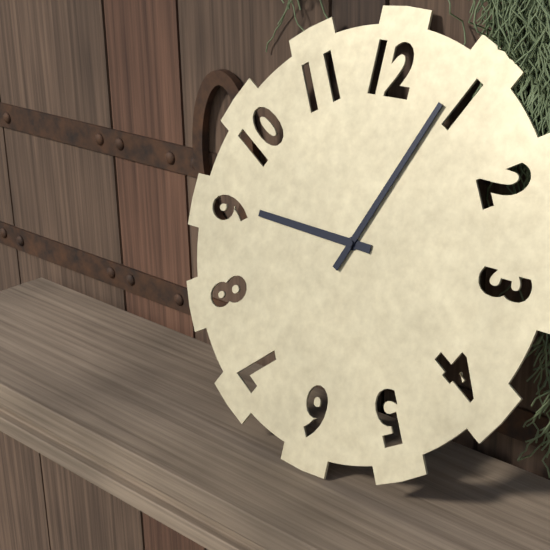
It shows 9:04
